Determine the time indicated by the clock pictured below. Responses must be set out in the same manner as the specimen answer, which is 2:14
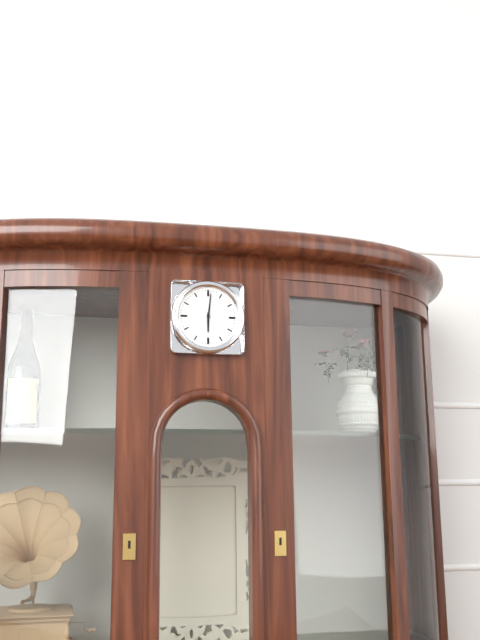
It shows 6:01
